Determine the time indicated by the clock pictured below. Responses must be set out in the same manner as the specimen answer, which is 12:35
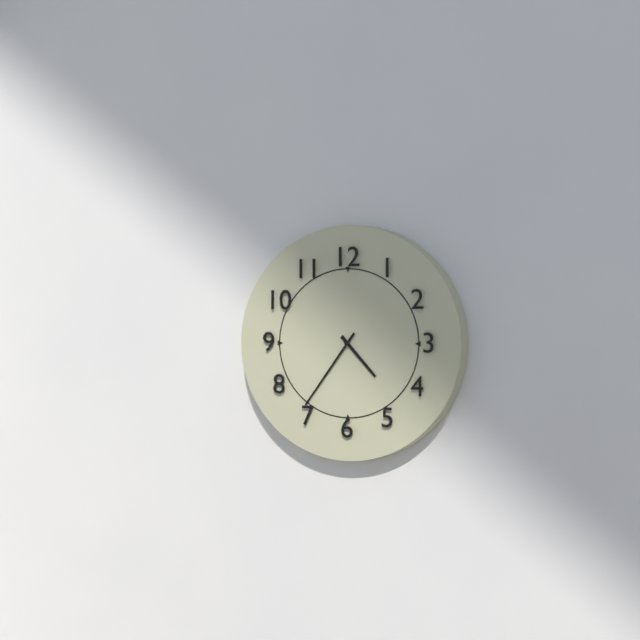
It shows 4:36
